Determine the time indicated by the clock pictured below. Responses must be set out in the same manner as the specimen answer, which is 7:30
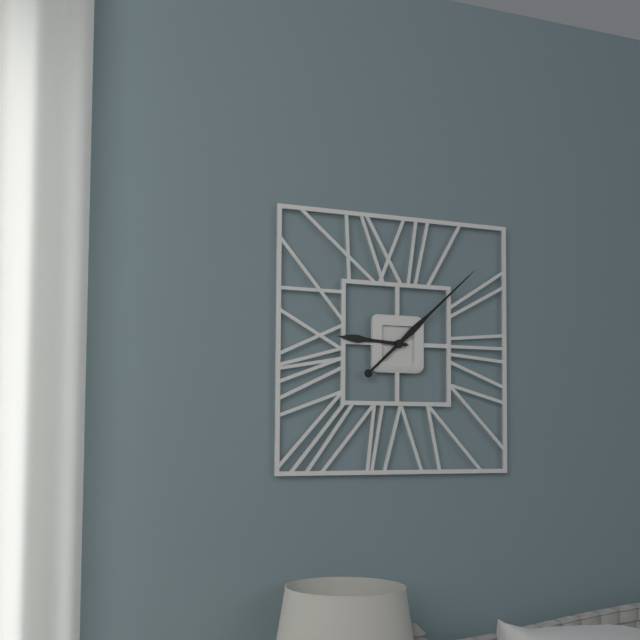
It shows 9:08
